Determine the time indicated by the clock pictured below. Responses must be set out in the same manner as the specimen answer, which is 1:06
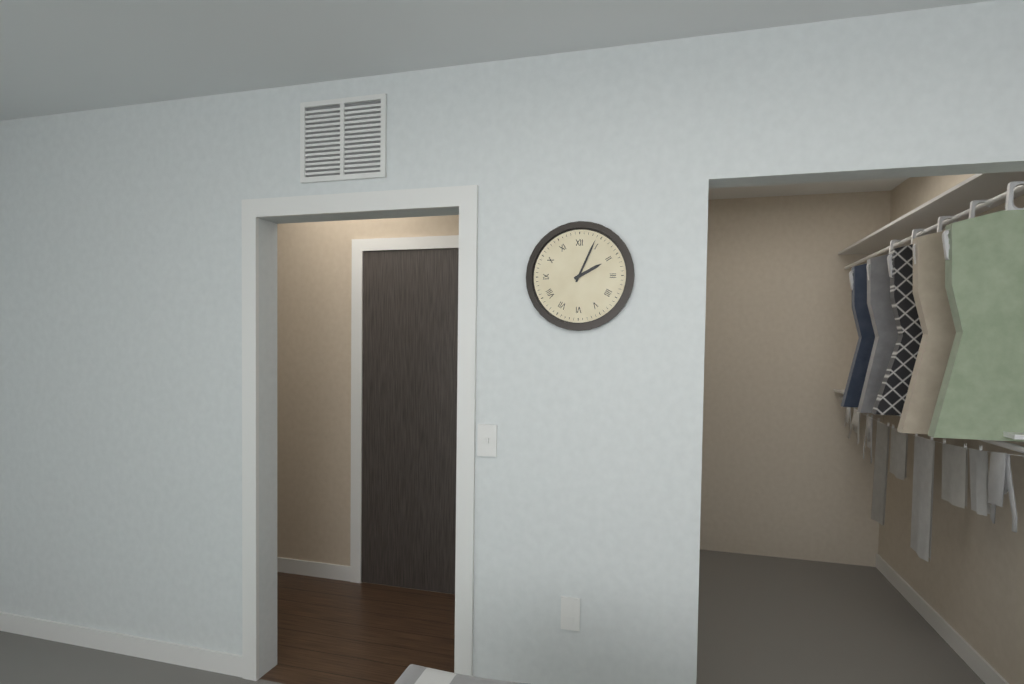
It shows 2:04
